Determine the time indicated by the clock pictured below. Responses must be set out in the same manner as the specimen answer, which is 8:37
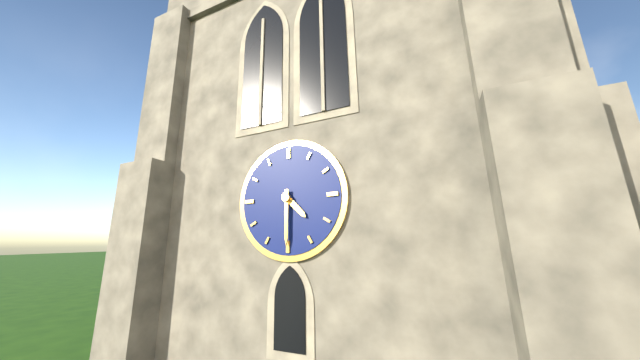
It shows 4:30
